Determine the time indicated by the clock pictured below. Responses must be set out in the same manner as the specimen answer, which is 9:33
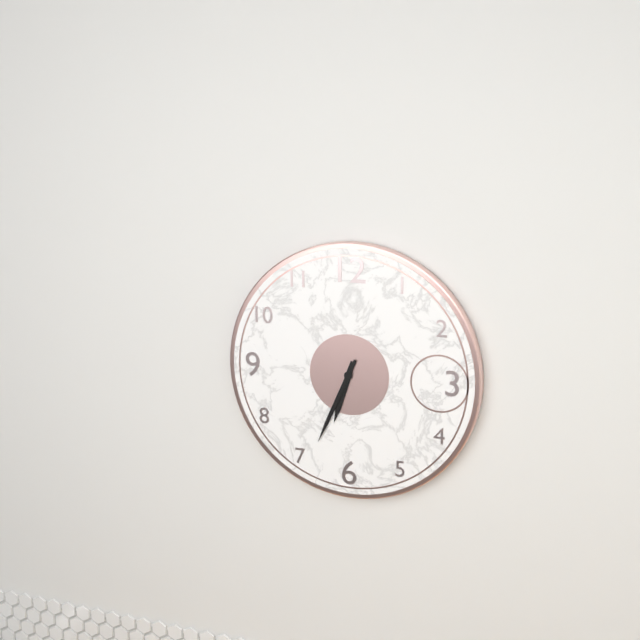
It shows 6:34
